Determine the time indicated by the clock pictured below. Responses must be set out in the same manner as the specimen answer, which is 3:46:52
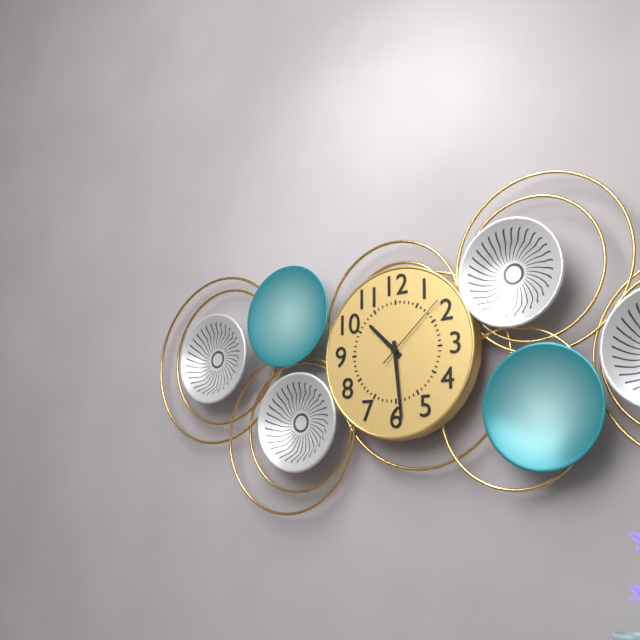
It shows 10:29:08
